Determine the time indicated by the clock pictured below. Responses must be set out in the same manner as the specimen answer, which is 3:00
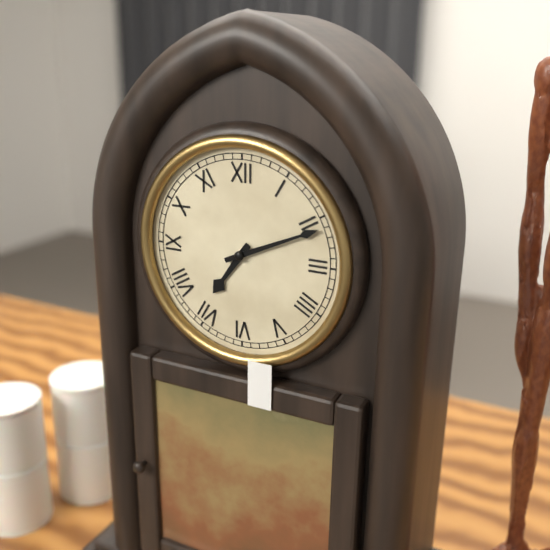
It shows 7:11
